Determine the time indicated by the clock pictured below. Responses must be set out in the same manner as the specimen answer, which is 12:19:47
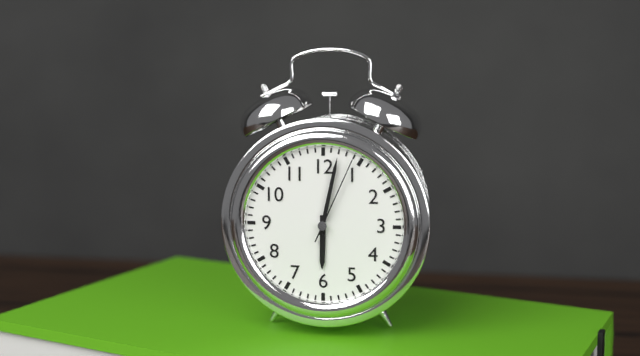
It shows 6:02:04
